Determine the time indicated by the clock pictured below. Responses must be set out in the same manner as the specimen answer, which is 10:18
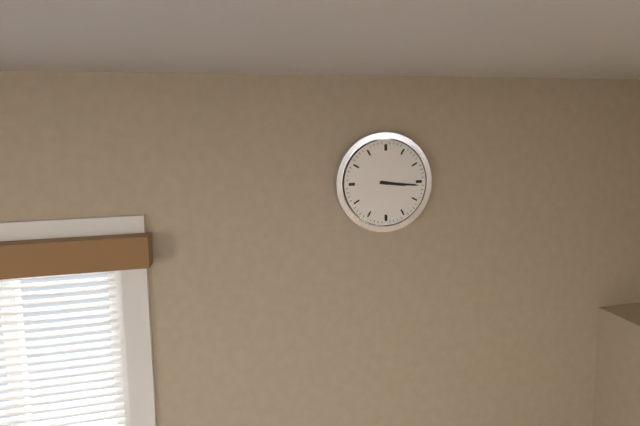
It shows 3:16
